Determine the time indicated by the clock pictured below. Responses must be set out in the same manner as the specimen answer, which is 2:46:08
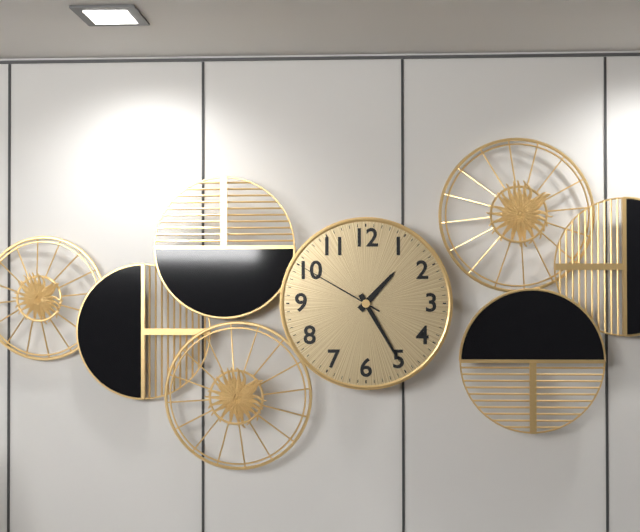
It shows 1:25:50
